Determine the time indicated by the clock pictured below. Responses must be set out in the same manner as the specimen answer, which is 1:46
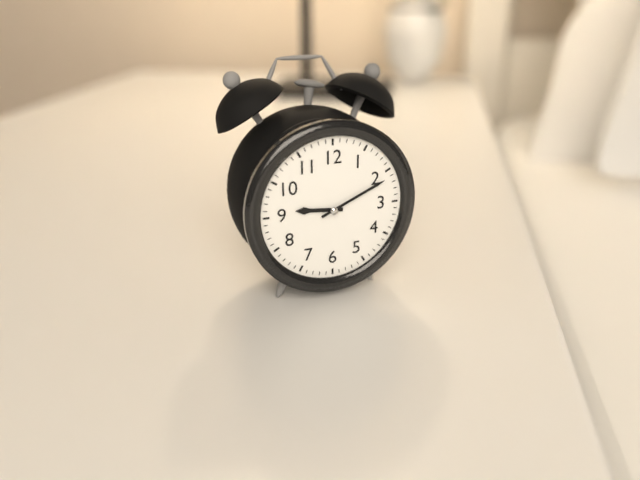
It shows 9:11
